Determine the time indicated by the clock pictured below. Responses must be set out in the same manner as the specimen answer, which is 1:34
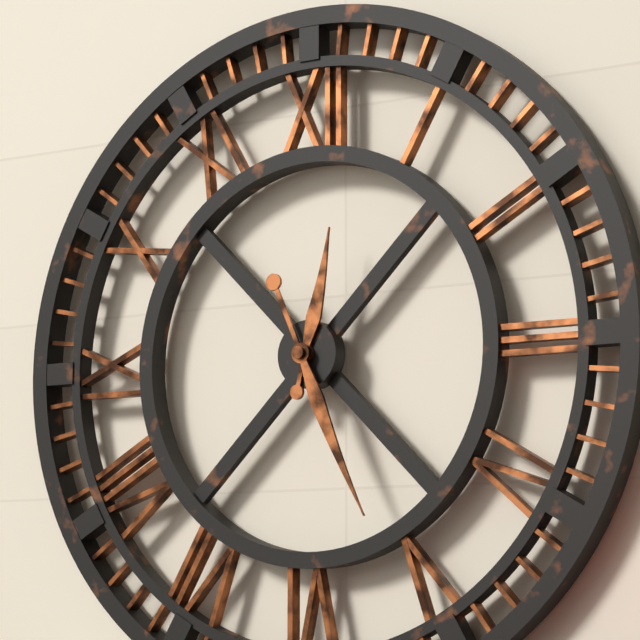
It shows 12:26
